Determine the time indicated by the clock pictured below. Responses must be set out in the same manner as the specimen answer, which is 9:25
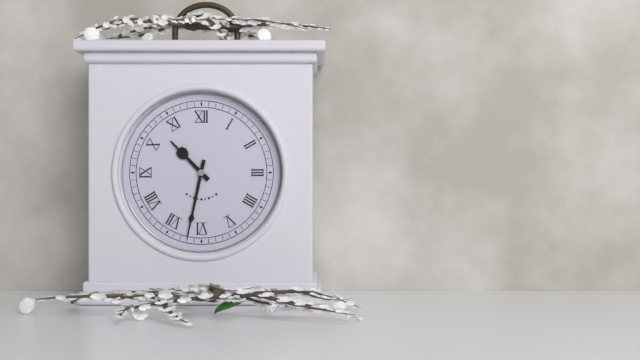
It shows 10:32
